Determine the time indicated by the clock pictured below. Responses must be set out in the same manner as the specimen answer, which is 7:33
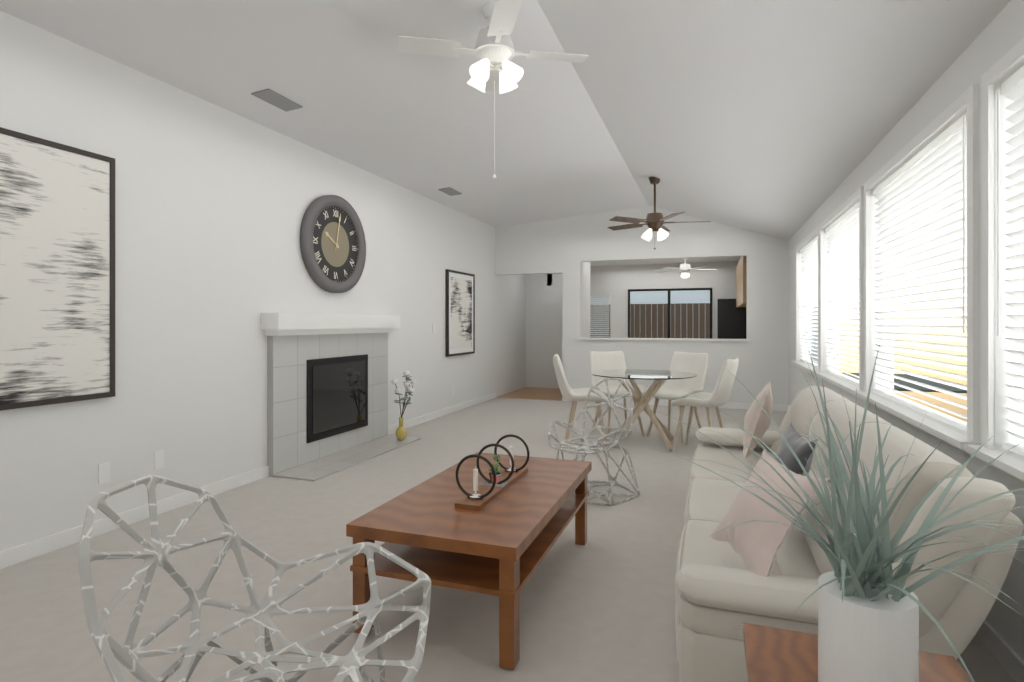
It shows 10:02
